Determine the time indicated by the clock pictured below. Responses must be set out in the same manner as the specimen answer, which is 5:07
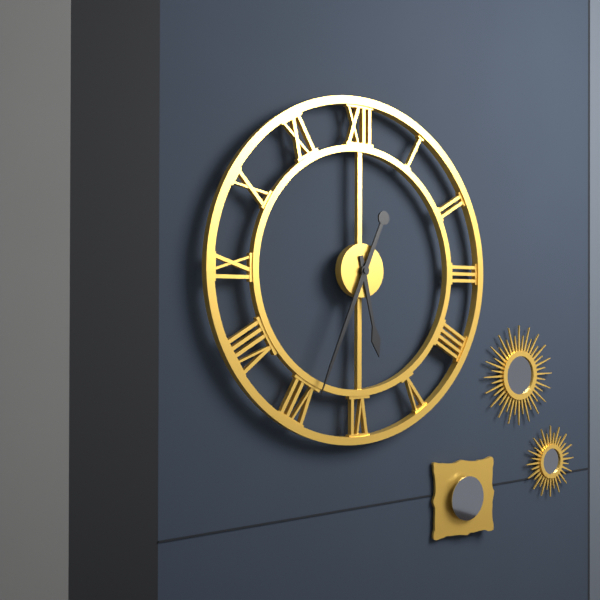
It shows 5:34
